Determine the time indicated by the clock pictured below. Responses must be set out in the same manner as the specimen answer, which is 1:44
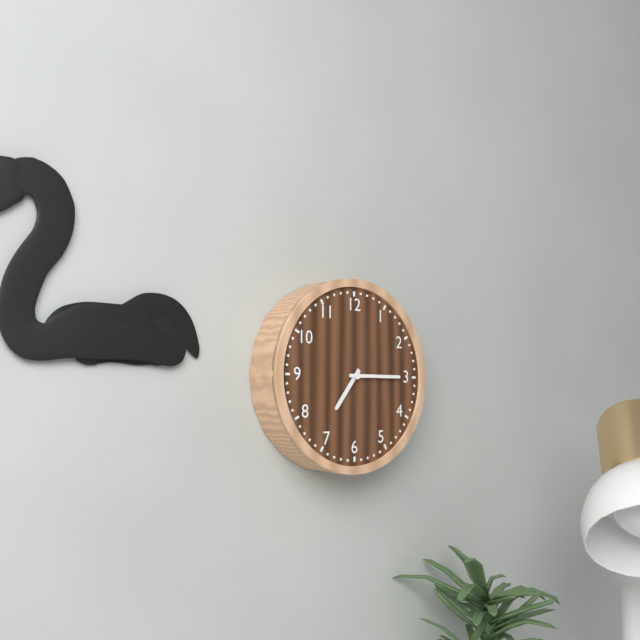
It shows 7:15
